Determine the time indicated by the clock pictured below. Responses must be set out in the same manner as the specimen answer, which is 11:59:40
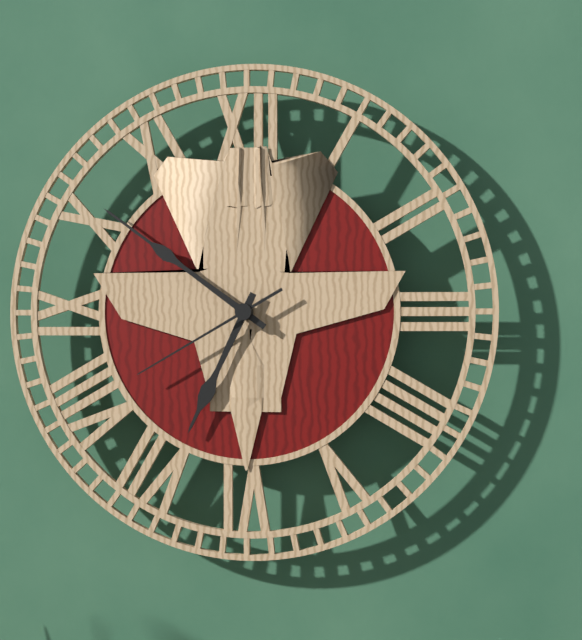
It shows 6:51:40
